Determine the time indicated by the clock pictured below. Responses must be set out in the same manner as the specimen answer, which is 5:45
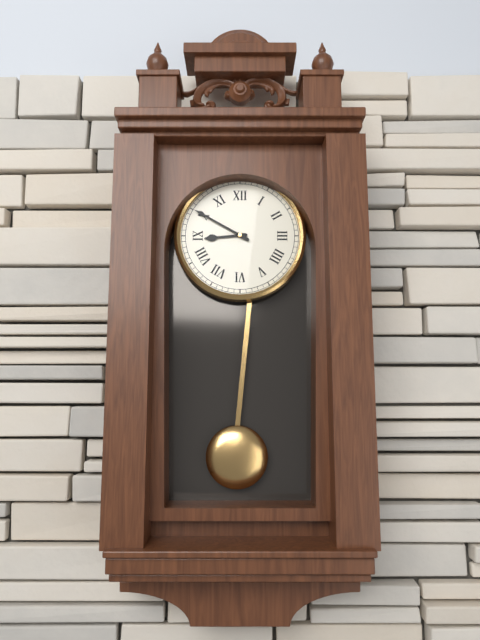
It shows 8:50
